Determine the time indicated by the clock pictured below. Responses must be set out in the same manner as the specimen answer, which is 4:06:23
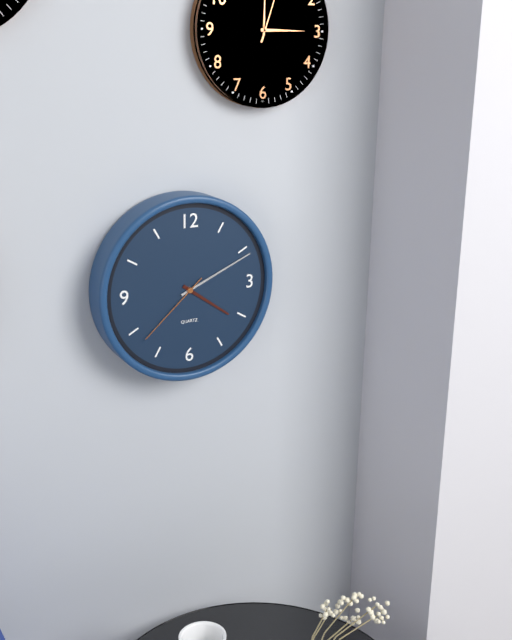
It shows 4:11:38
